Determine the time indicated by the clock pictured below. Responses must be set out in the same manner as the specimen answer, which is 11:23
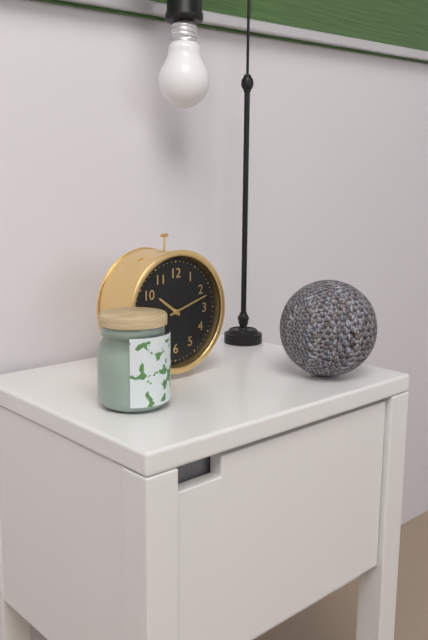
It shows 10:12
